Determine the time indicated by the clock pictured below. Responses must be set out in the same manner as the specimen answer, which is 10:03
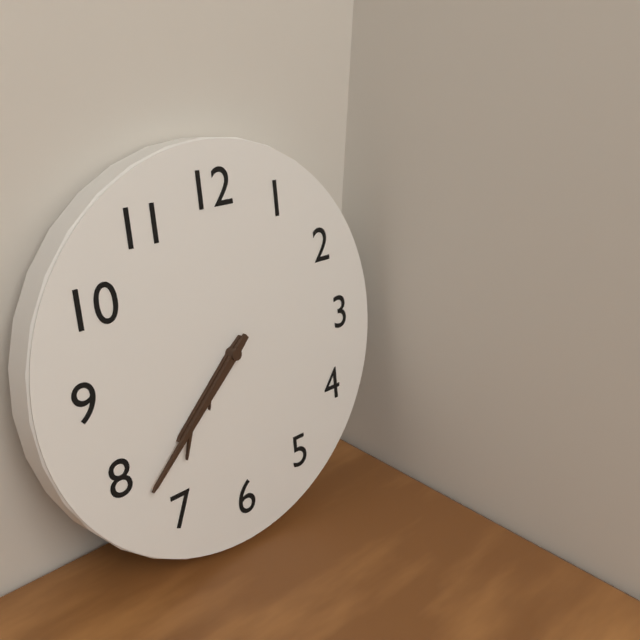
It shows 7:38
